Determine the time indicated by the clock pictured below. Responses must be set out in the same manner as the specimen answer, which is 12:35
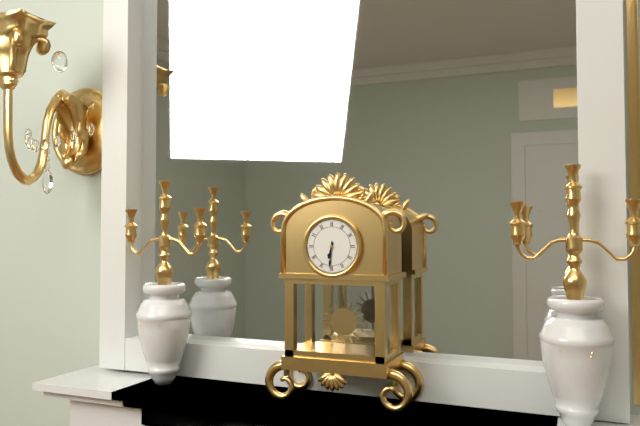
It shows 6:31
